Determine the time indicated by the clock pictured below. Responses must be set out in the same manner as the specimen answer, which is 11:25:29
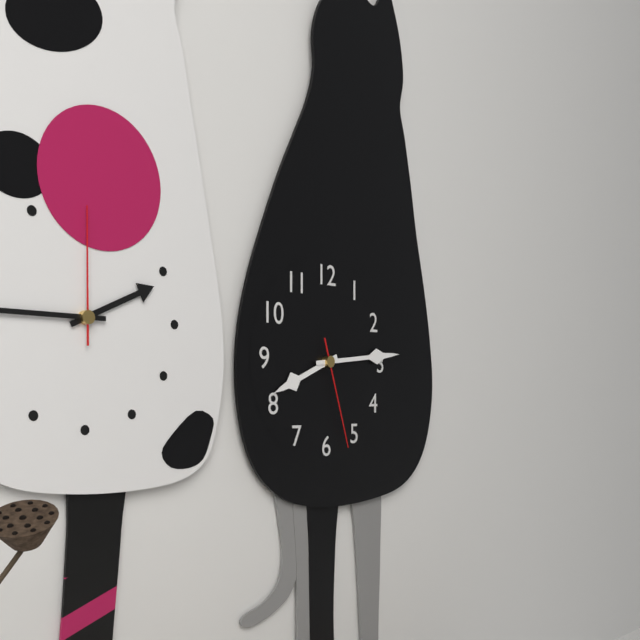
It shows 8:14:27
